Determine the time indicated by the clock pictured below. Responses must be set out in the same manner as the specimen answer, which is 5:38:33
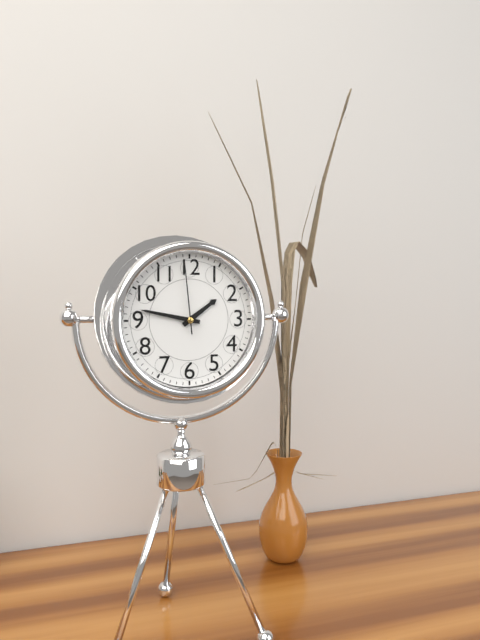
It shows 1:47:59
